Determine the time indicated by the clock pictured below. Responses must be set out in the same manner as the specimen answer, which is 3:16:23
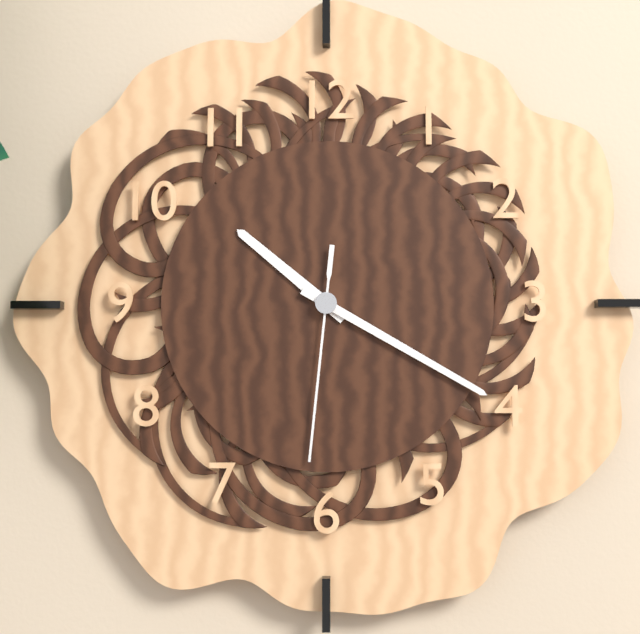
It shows 10:20:31
